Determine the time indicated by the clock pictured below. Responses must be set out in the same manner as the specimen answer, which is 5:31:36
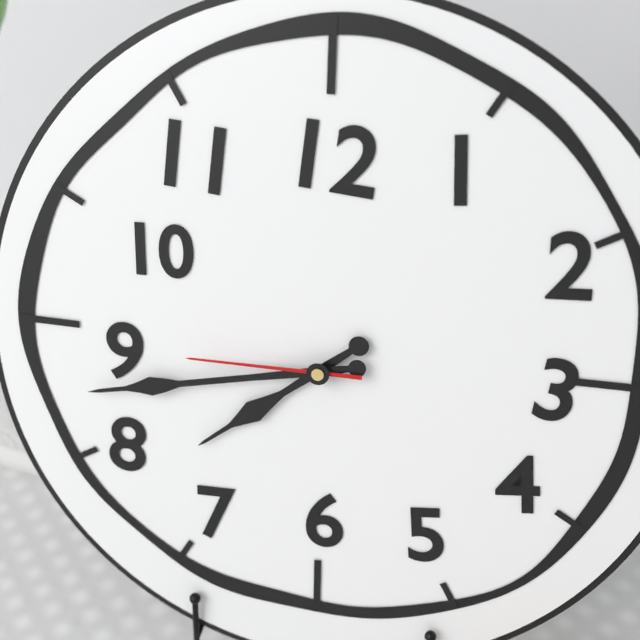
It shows 7:43:45
